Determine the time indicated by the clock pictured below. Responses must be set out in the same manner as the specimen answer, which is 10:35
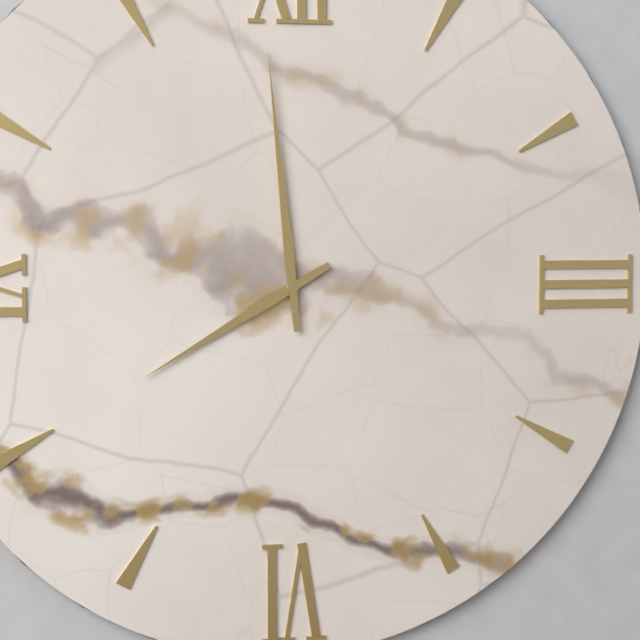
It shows 7:59
